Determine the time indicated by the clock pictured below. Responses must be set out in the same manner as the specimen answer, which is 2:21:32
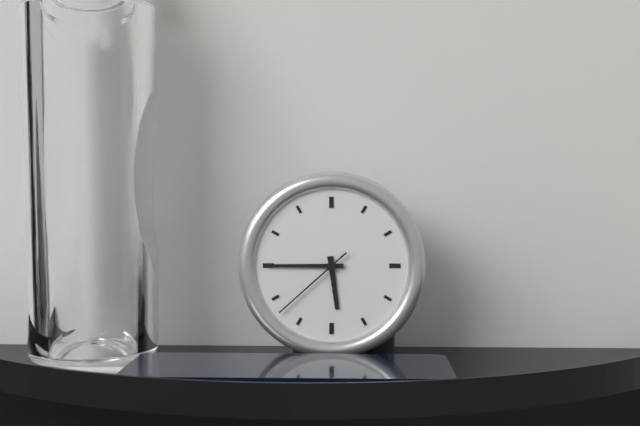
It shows 5:45:38
